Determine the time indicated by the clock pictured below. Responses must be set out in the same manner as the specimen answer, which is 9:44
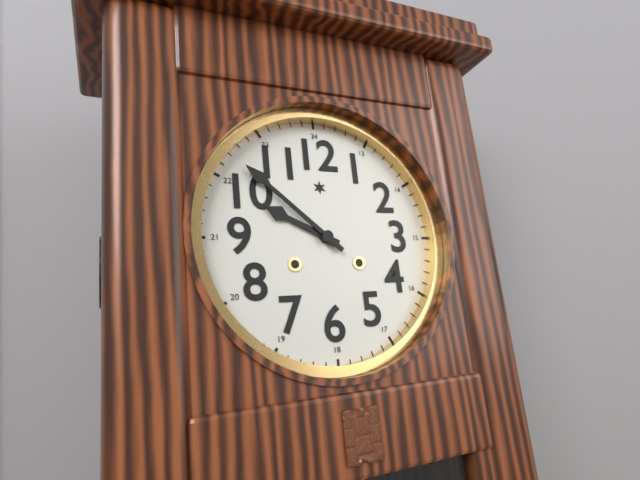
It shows 9:52
